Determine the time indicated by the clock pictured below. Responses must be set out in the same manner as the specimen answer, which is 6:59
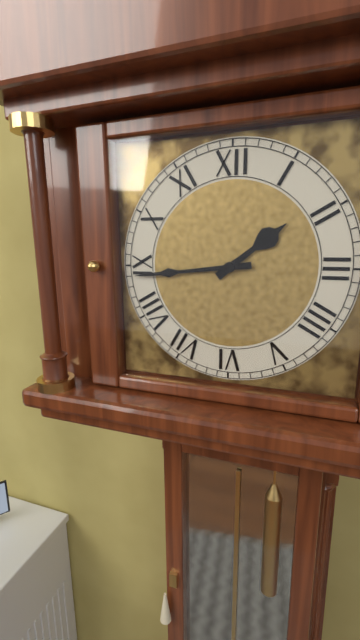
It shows 1:44
